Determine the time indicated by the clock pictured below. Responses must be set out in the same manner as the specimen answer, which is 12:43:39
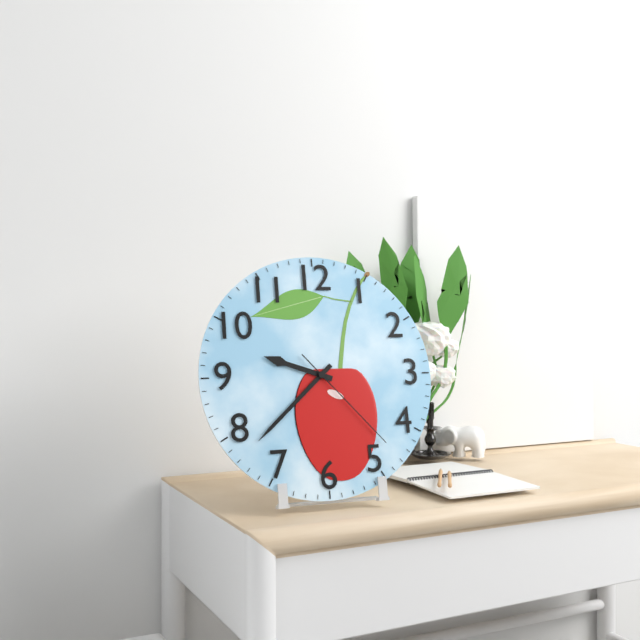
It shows 9:38:23
